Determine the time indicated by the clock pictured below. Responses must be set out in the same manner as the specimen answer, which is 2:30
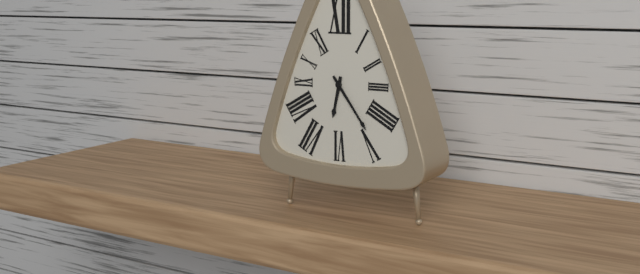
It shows 6:24
